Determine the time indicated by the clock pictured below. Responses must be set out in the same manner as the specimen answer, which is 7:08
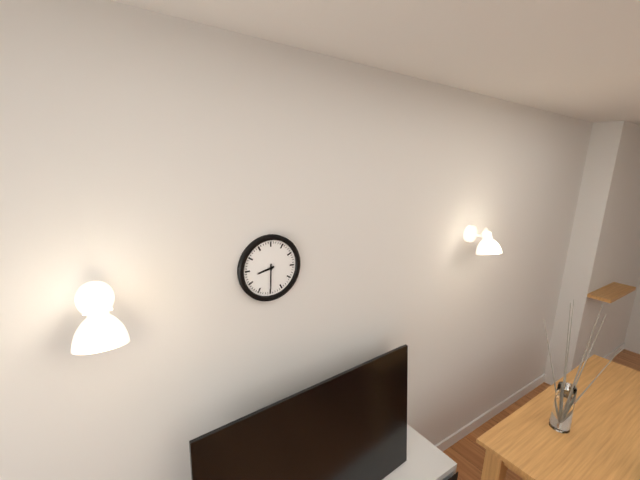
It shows 8:30
